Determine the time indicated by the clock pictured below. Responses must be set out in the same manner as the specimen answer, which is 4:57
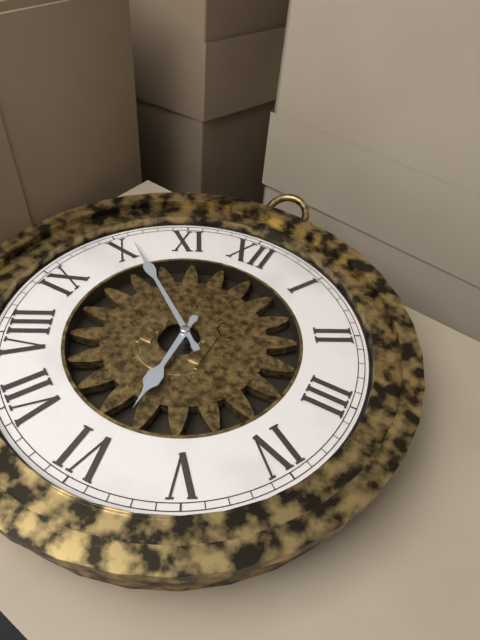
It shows 5:51
